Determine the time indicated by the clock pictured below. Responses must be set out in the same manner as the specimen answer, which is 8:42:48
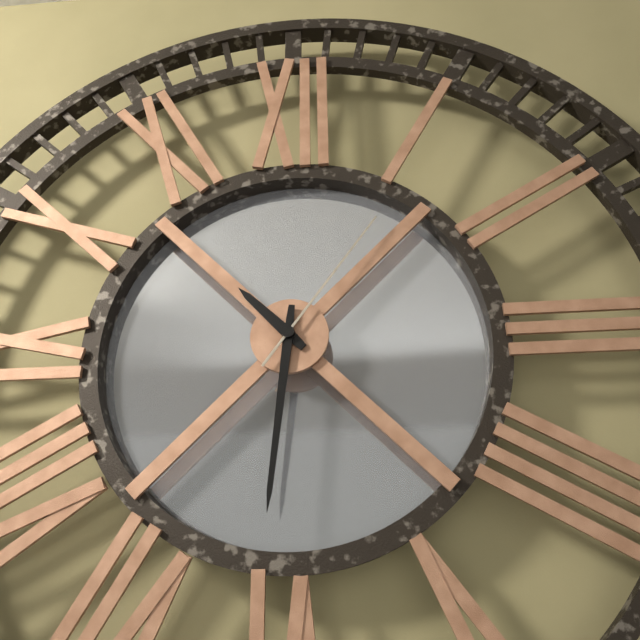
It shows 10:31:06
